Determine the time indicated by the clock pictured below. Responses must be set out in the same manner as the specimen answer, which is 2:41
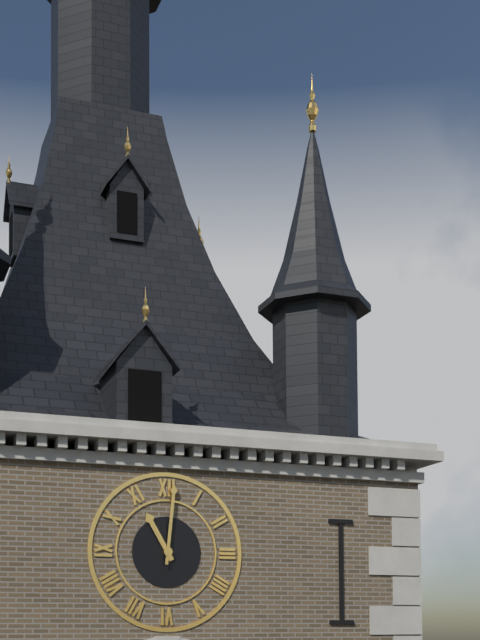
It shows 11:01
